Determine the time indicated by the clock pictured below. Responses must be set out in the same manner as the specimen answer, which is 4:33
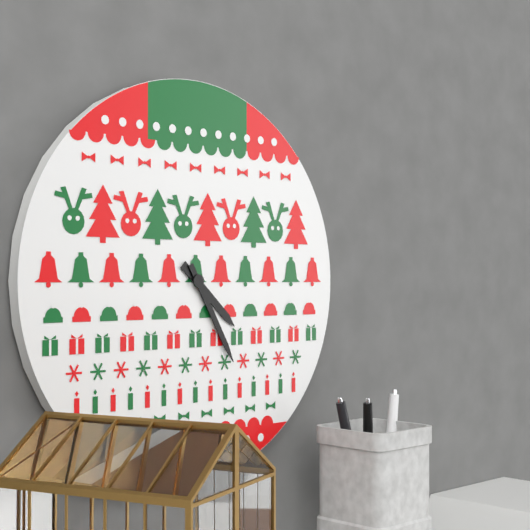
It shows 4:25
